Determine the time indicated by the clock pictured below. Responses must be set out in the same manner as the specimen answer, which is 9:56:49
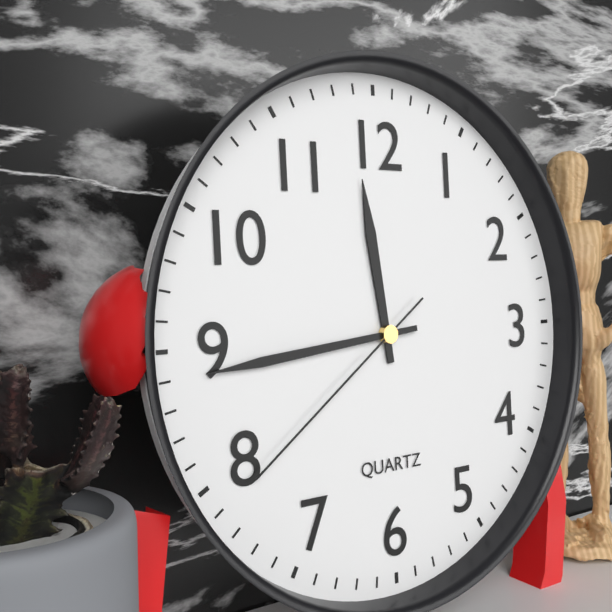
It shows 11:44:39
